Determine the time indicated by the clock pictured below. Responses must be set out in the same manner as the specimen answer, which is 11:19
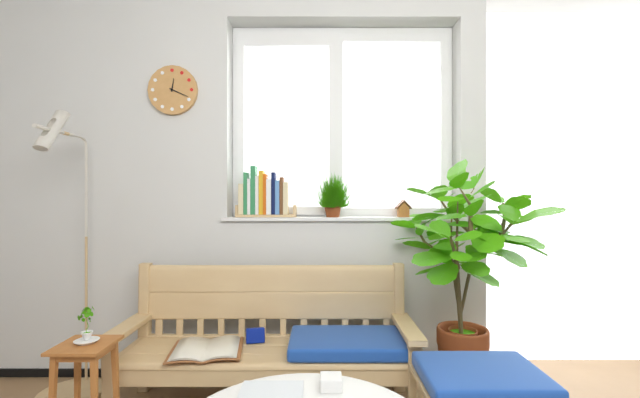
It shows 12:19
